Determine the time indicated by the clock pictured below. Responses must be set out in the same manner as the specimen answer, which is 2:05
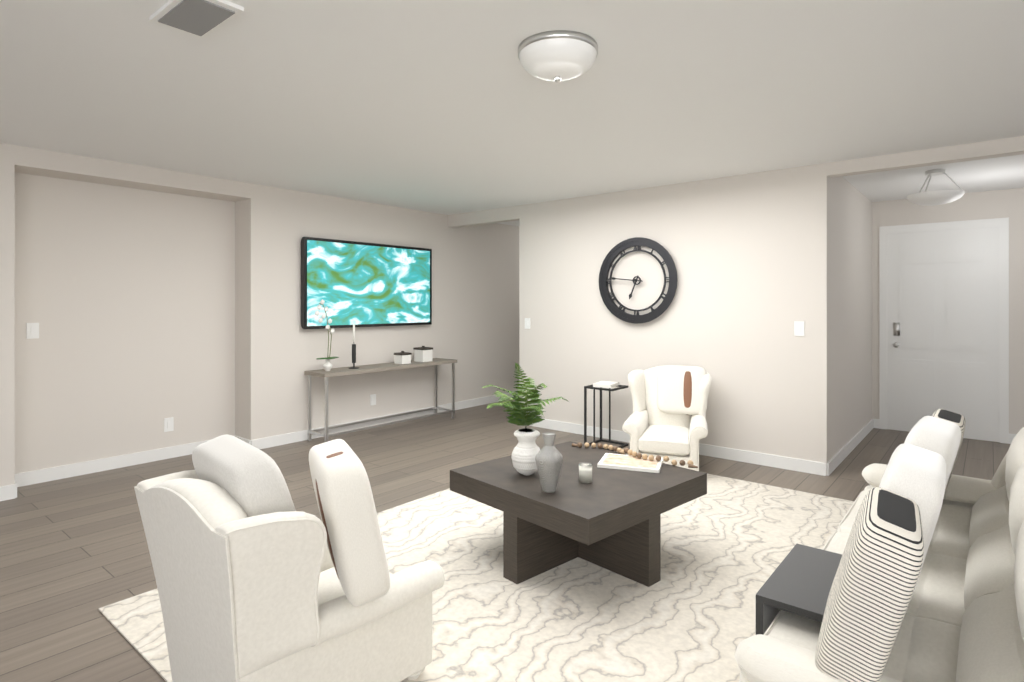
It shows 6:46
